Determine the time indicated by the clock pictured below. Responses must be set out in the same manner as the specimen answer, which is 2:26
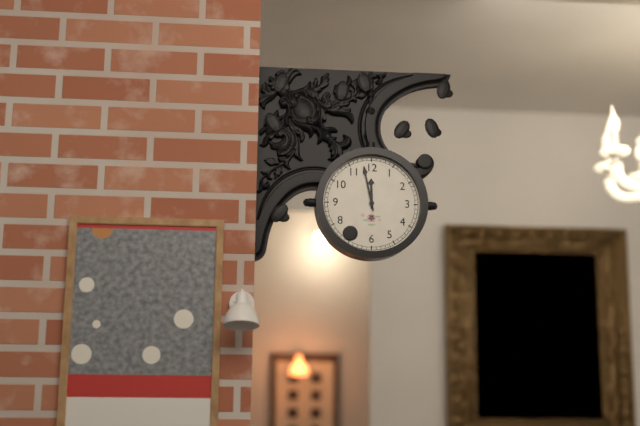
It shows 11:58
